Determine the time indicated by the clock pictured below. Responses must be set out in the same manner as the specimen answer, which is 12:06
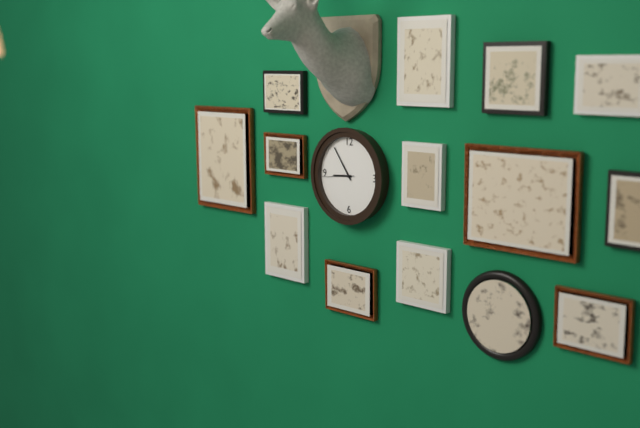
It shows 8:54
